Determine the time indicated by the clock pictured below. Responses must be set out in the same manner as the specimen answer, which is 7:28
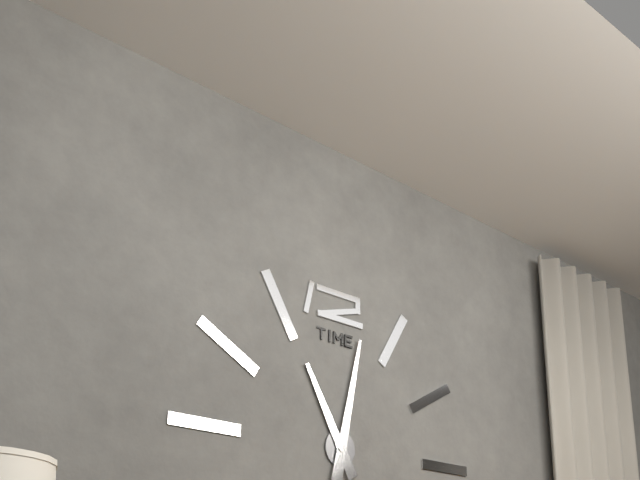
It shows 11:02
